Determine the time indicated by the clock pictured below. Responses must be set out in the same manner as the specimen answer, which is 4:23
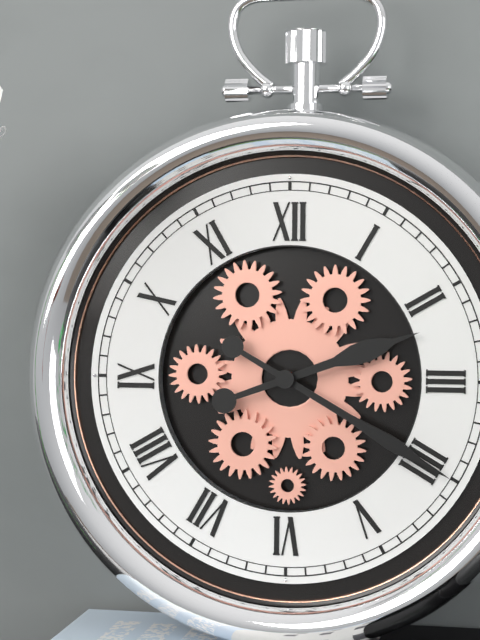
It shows 2:20
